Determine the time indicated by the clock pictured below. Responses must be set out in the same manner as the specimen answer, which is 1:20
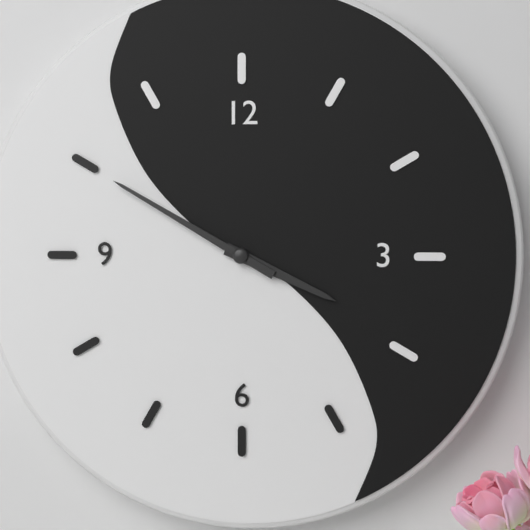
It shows 3:50
